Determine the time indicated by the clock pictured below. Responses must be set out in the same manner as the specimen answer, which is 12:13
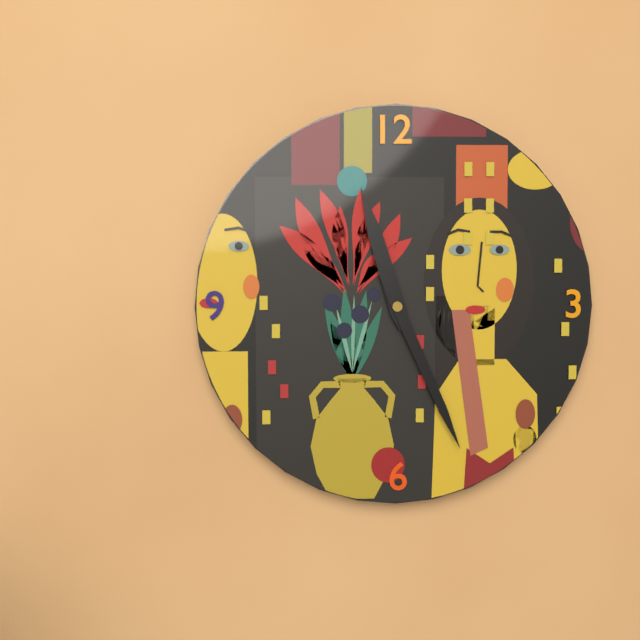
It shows 11:26
